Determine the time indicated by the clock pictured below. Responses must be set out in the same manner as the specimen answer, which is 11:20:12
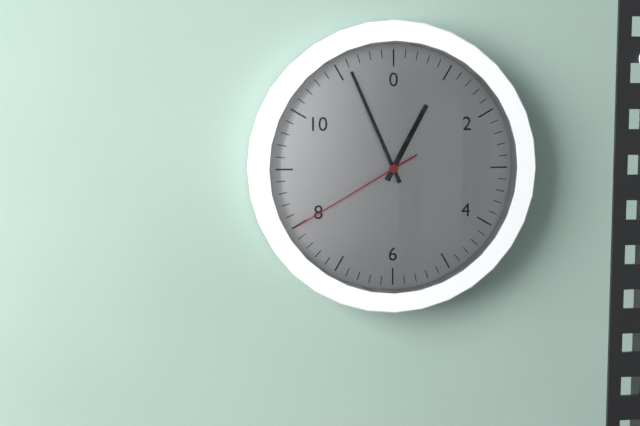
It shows 12:56:40
